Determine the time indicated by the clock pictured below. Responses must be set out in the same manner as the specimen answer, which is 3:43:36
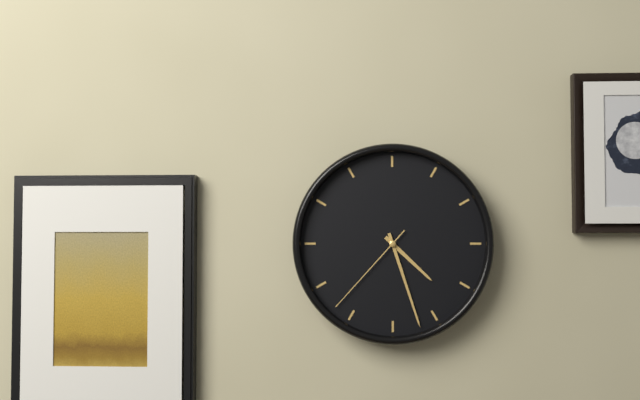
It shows 4:27:37
